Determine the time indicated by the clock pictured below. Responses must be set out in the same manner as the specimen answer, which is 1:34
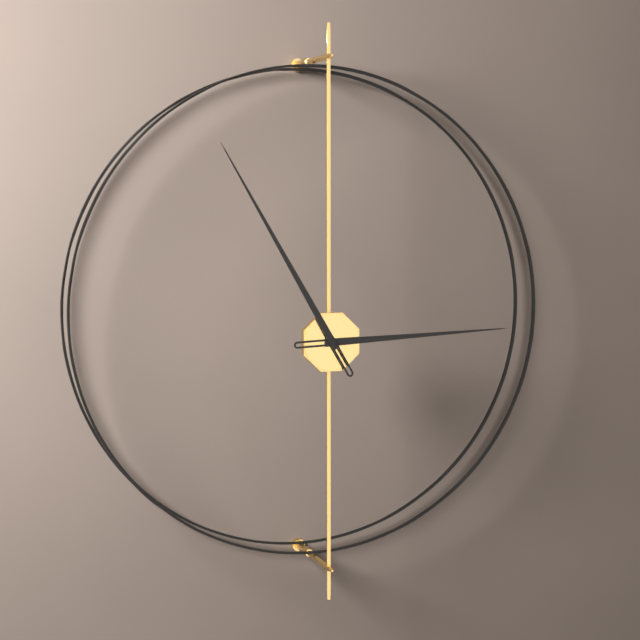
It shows 2:55
